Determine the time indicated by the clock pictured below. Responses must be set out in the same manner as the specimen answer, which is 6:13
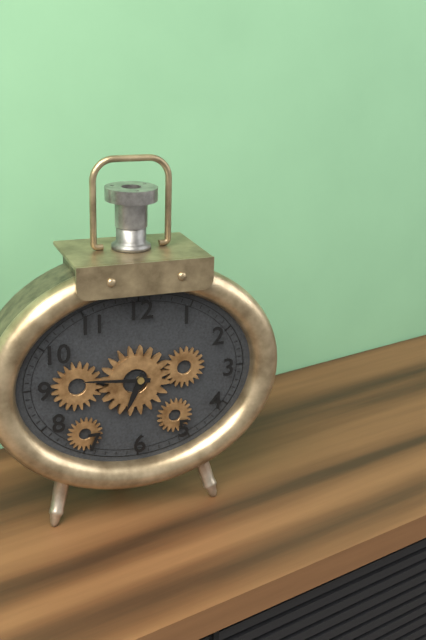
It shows 6:46
